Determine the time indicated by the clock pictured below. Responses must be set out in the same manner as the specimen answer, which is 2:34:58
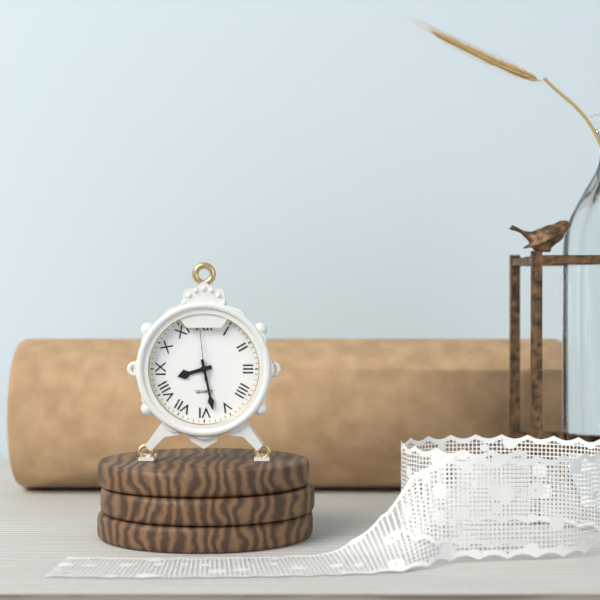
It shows 8:28:59
